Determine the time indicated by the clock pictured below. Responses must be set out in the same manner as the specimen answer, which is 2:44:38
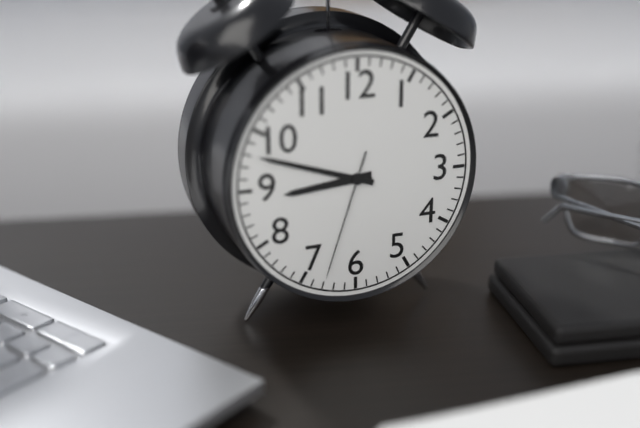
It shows 8:48:33
